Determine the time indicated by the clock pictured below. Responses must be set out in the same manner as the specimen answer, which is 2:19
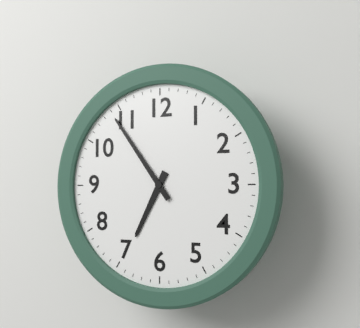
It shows 6:54
